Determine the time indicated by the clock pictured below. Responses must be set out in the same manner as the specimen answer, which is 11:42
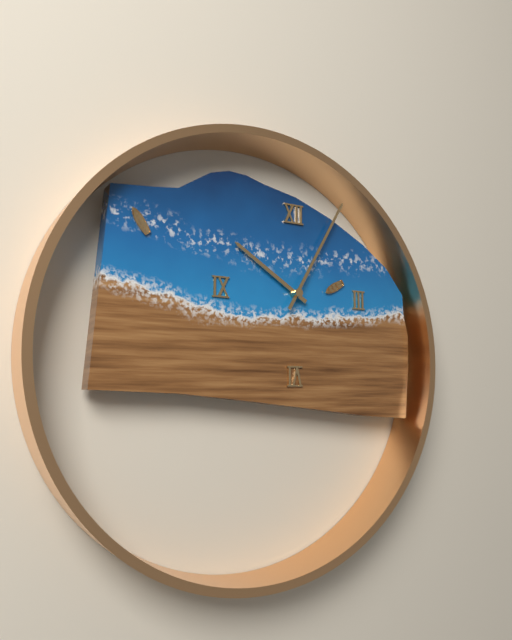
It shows 10:05
